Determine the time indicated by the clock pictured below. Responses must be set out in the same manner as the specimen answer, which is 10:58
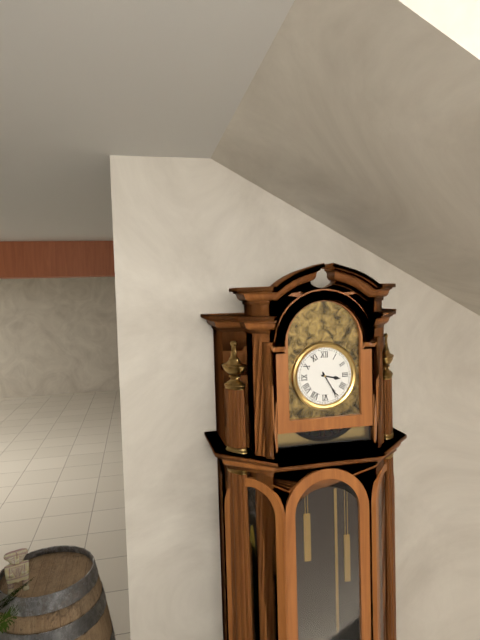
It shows 3:25
